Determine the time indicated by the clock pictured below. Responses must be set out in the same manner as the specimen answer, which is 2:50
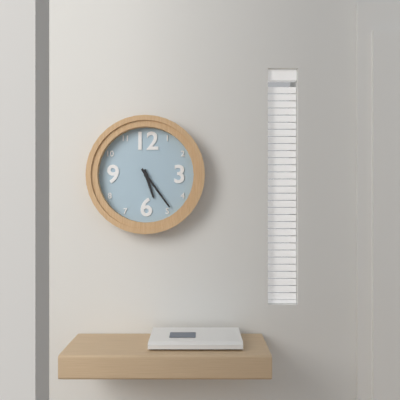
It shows 5:24
